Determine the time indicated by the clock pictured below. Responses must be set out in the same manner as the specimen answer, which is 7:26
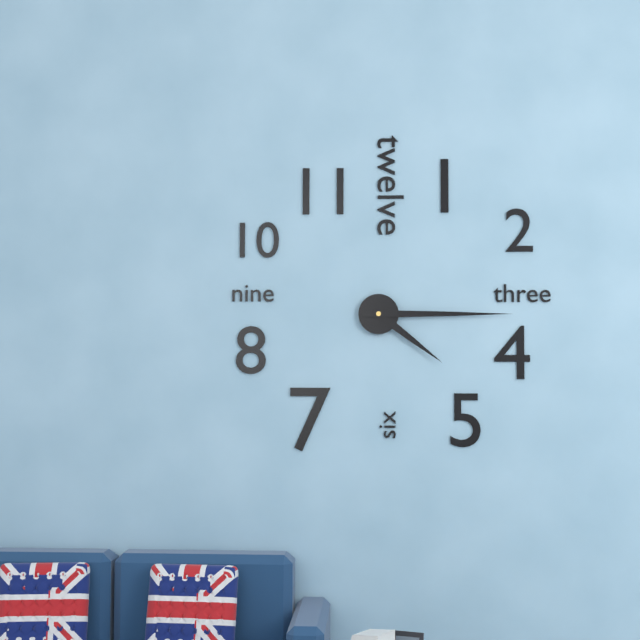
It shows 4:15
